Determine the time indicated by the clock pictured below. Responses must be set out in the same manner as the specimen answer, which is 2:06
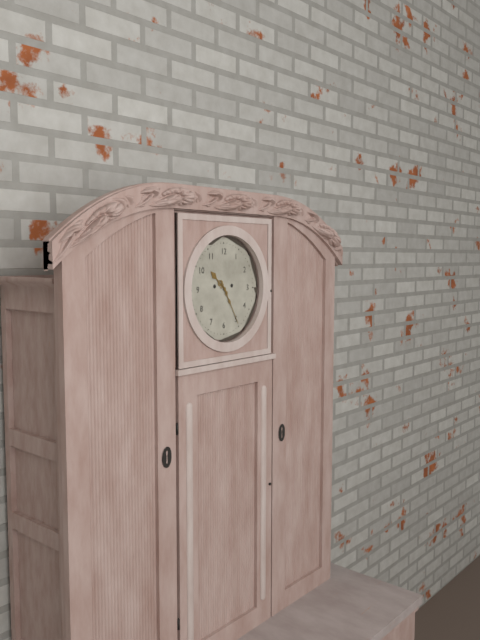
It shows 10:25
